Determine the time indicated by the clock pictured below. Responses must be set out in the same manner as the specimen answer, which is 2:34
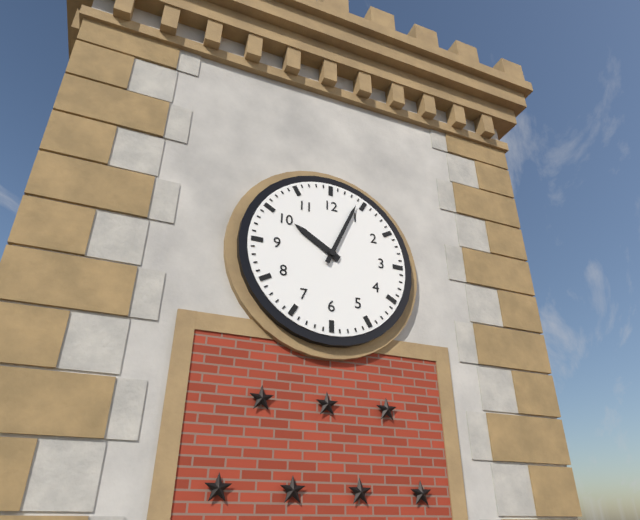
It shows 10:04
